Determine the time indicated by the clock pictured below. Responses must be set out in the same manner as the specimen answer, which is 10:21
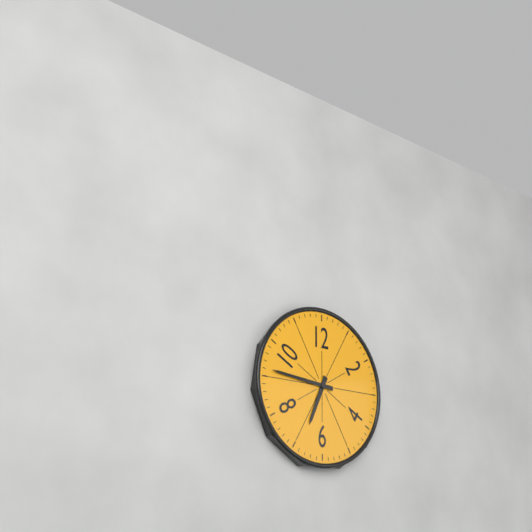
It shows 6:46
